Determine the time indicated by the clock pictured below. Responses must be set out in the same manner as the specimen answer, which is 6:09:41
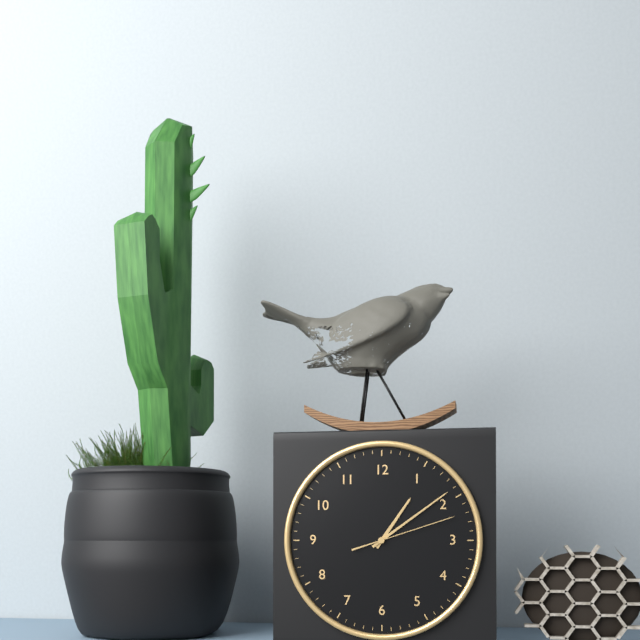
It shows 1:09:12
